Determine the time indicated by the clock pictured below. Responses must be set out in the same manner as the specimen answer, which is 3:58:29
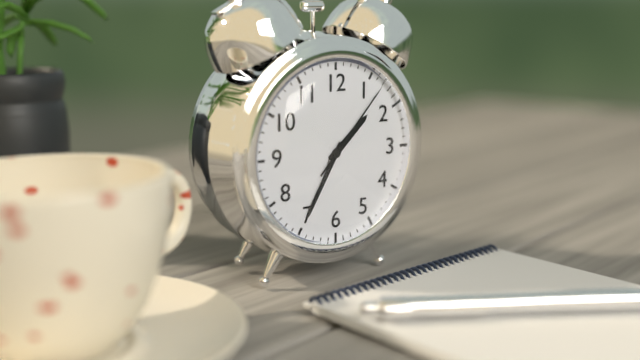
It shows 1:35:07
